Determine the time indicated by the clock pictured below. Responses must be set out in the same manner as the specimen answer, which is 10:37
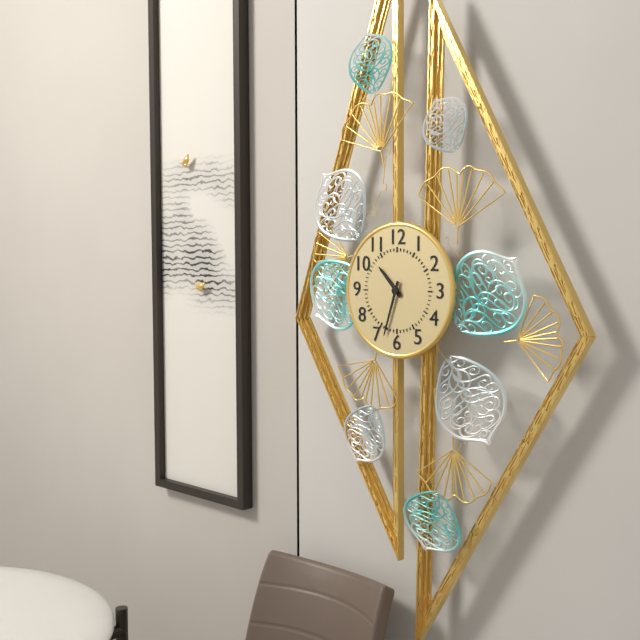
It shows 10:33
